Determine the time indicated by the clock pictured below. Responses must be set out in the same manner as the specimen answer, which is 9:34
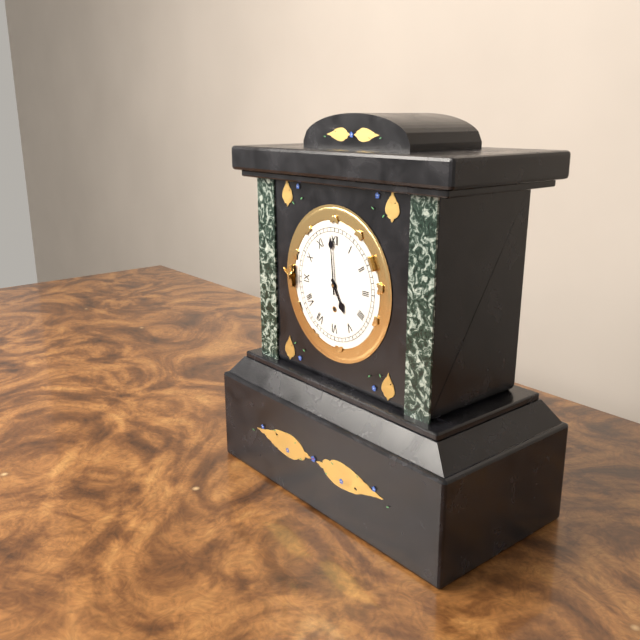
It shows 4:59
